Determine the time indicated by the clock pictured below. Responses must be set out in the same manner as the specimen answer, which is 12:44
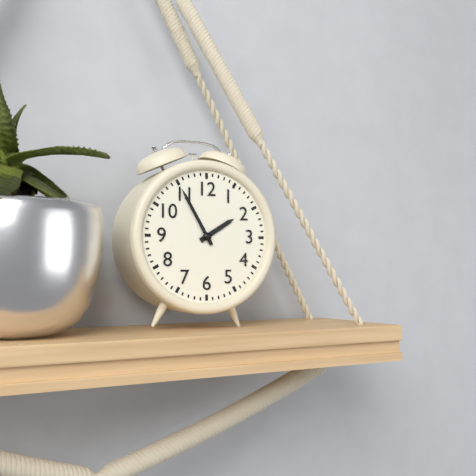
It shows 1:55
